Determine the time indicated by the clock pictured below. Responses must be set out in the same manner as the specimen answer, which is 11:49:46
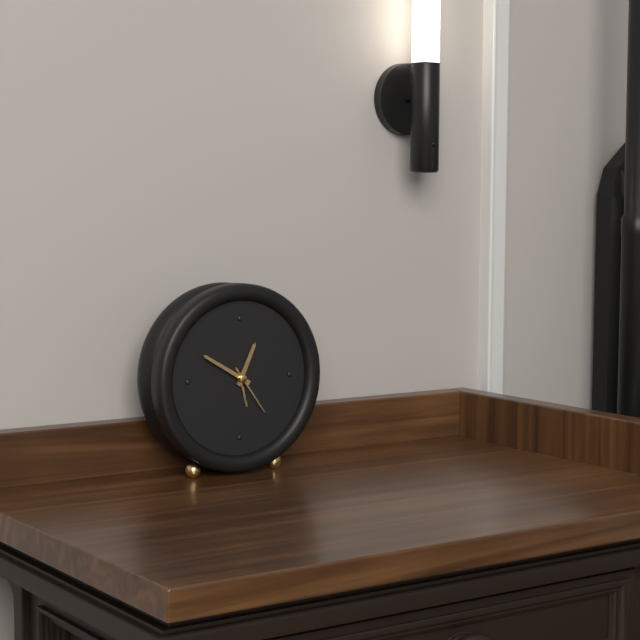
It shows 12:50:24
